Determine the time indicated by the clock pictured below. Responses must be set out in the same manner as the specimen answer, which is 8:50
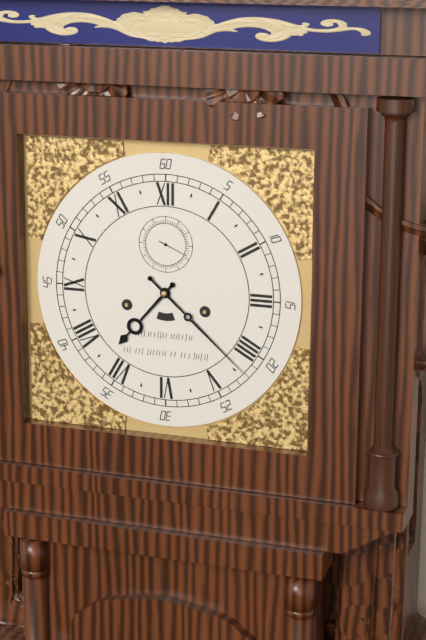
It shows 7:22
